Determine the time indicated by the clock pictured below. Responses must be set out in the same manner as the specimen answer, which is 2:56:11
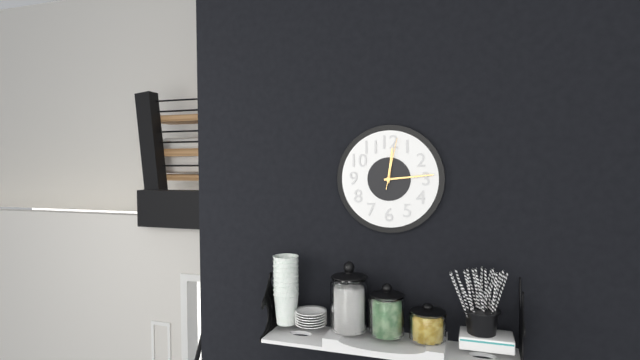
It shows 12:14:02
